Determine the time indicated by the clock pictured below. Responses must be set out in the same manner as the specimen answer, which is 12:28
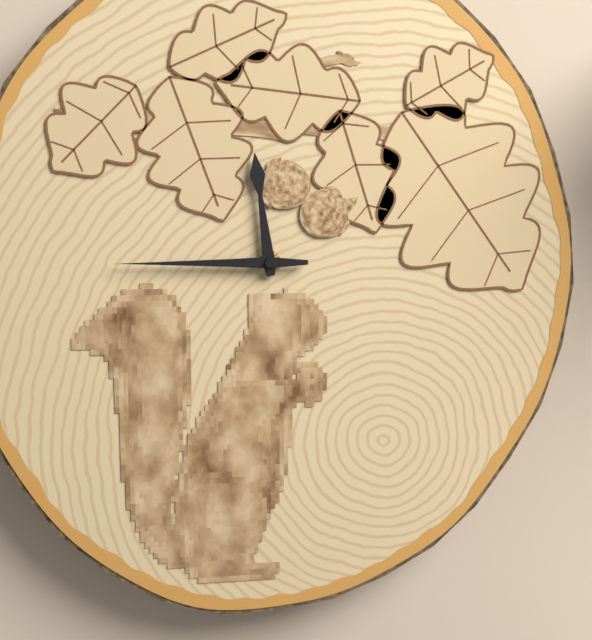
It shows 11:45
